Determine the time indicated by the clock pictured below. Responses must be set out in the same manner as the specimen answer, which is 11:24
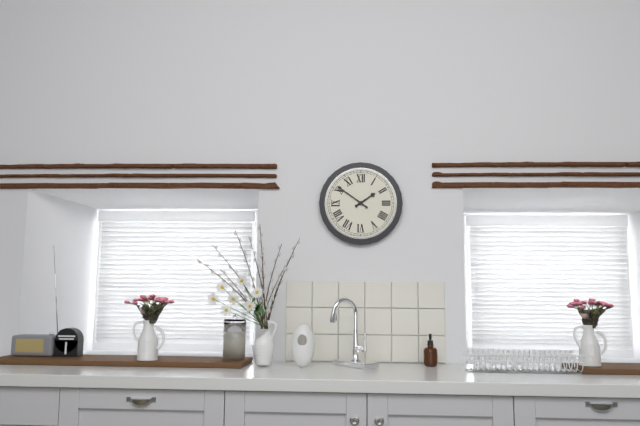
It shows 1:51
